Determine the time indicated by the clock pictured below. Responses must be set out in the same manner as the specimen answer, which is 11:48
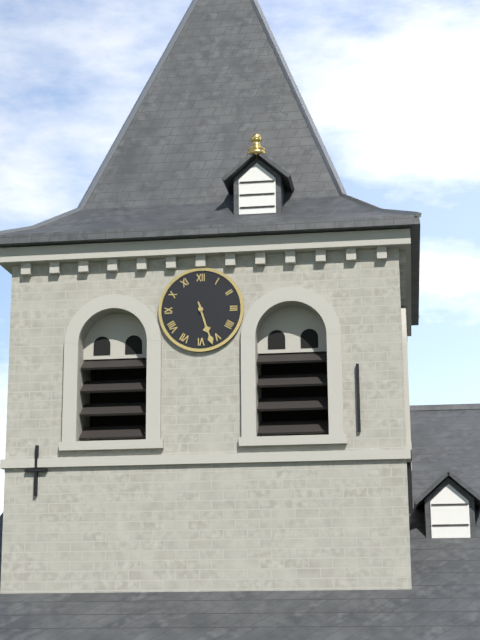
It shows 5:27
